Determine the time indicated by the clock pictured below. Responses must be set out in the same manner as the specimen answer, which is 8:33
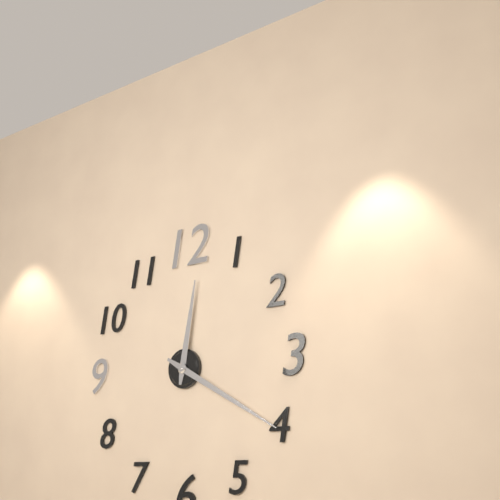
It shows 12:20
